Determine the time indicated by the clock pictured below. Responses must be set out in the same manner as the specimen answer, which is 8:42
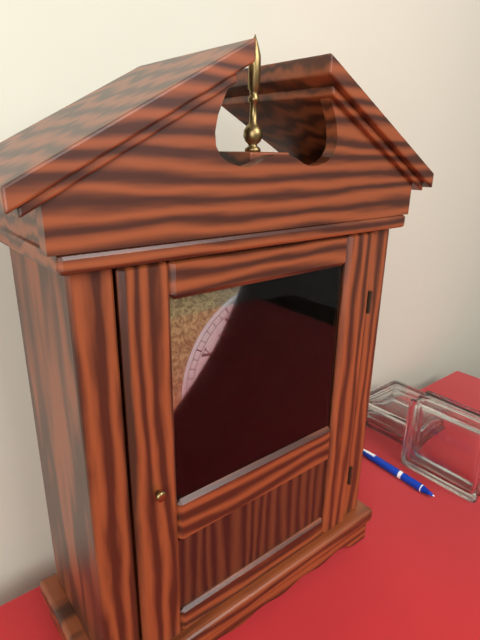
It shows 11:03
